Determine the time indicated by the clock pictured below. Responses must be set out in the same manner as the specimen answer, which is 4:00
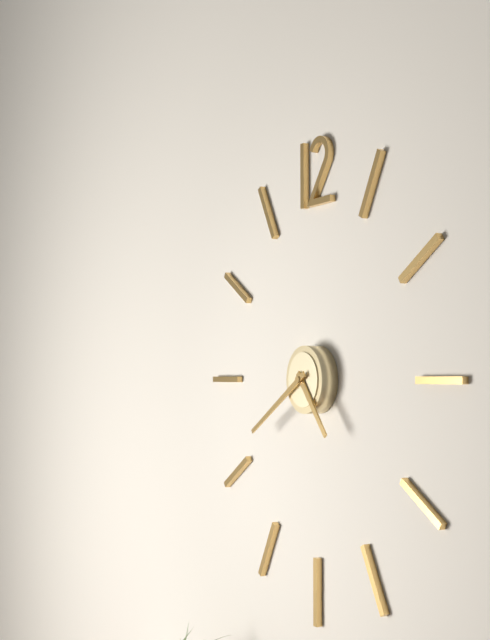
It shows 4:40
